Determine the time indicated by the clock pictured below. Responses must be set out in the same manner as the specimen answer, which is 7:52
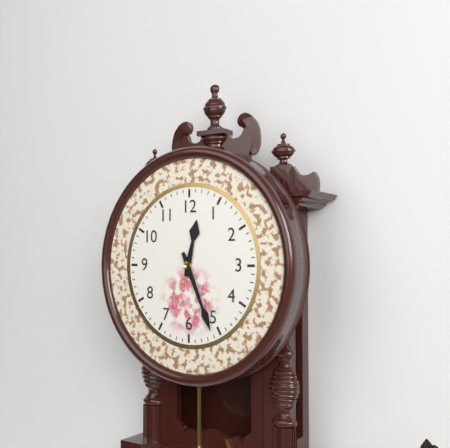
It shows 12:26
